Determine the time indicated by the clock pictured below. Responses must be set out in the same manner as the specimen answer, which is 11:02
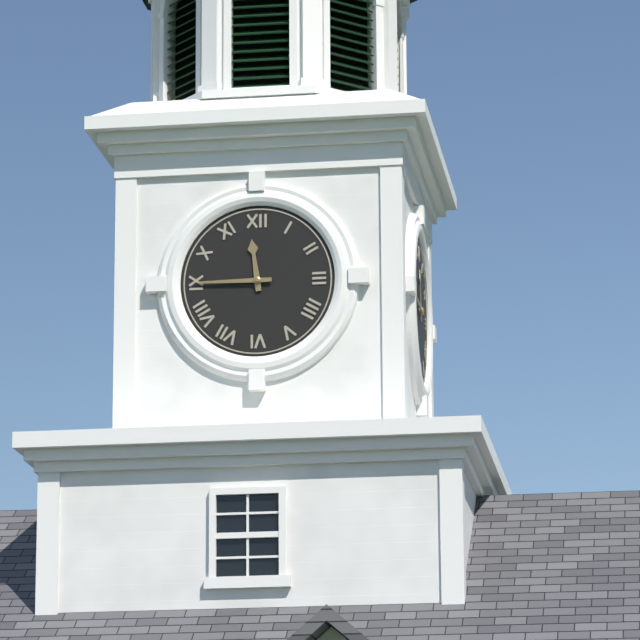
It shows 11:45
